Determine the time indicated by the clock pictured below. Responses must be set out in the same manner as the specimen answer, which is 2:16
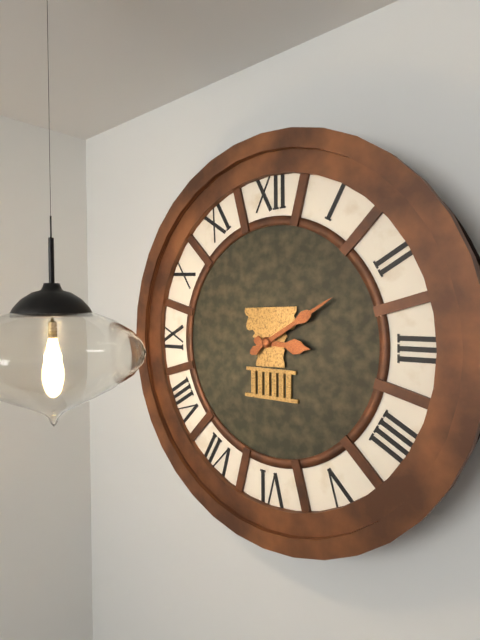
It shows 3:10
